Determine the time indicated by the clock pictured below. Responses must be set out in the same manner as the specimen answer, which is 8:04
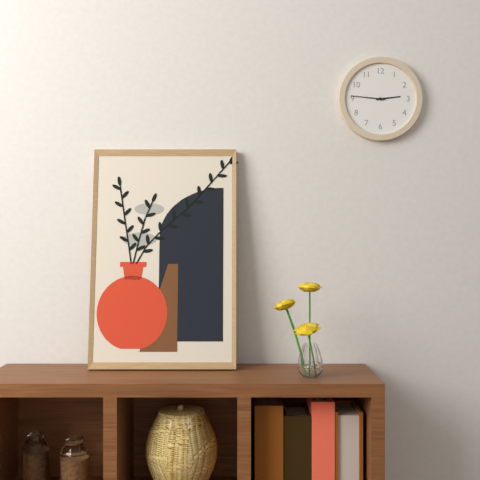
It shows 2:46
